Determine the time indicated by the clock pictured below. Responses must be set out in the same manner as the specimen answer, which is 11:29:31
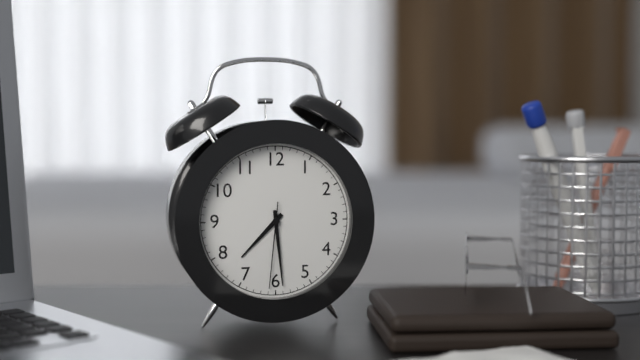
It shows 7:29:31
